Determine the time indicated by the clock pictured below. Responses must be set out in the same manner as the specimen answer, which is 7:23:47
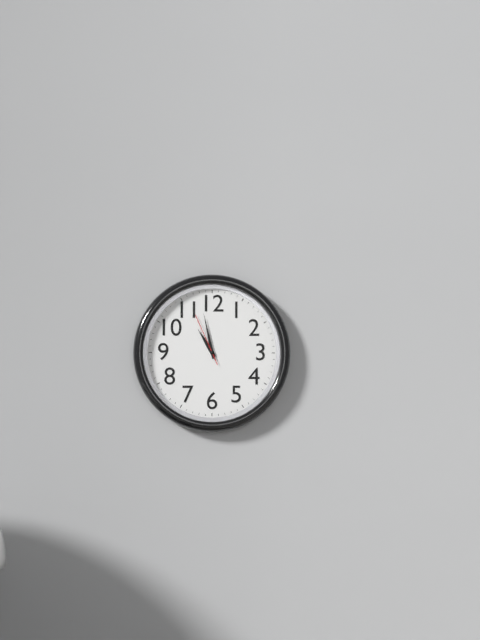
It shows 10:58:56
